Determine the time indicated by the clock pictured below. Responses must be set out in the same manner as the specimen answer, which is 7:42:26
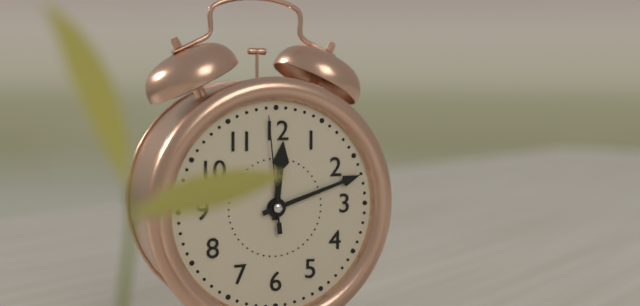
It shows 12:12:59
